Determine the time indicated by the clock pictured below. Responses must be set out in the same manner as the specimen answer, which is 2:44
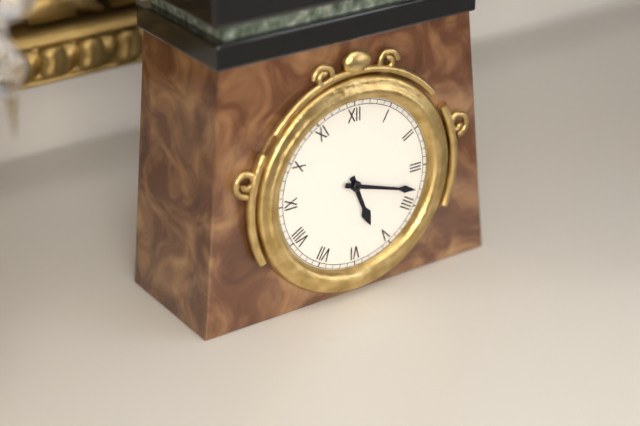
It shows 5:18
